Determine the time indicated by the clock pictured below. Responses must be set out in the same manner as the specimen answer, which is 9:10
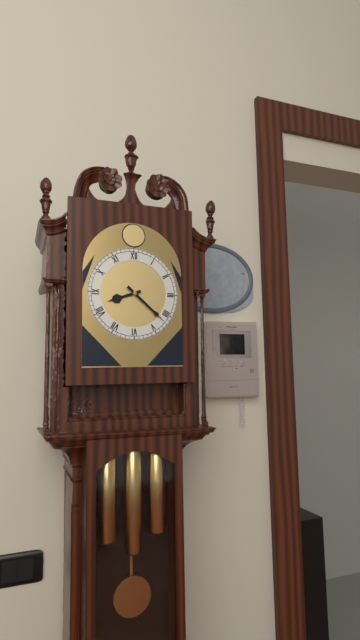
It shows 8:22
